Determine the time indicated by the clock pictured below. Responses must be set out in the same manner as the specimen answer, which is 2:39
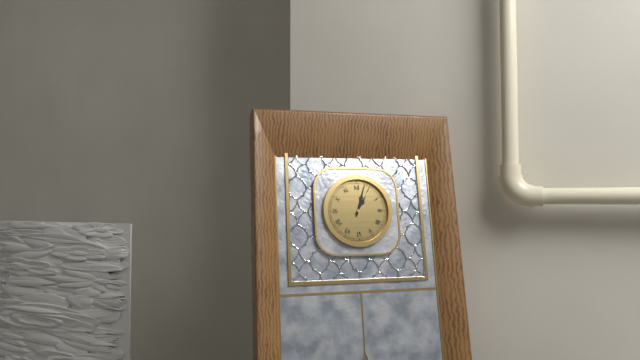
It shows 1:03
